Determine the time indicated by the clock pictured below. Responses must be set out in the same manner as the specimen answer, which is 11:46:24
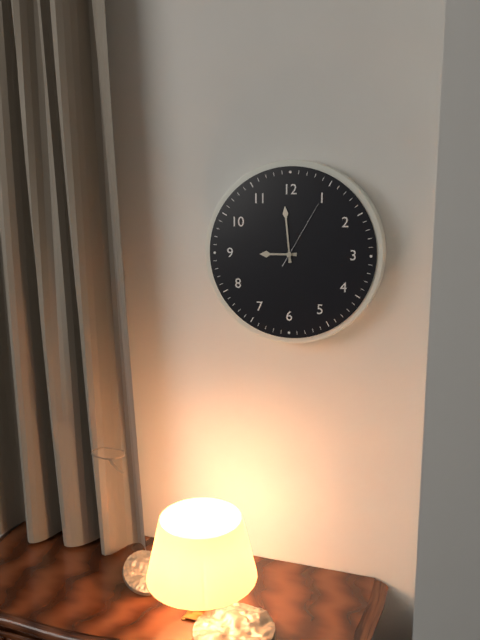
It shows 8:59:05
